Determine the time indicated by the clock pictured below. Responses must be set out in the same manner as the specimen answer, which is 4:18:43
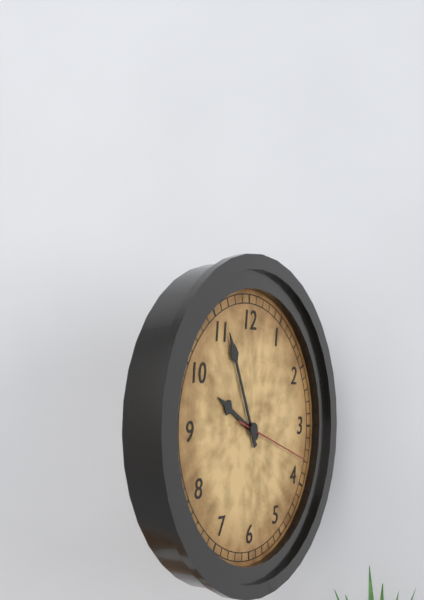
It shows 9:56:18
